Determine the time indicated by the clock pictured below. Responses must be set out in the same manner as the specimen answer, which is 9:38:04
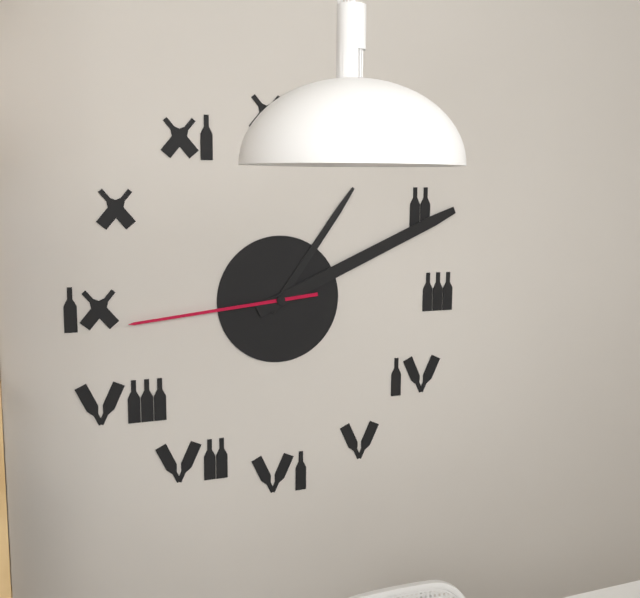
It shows 1:11:44
